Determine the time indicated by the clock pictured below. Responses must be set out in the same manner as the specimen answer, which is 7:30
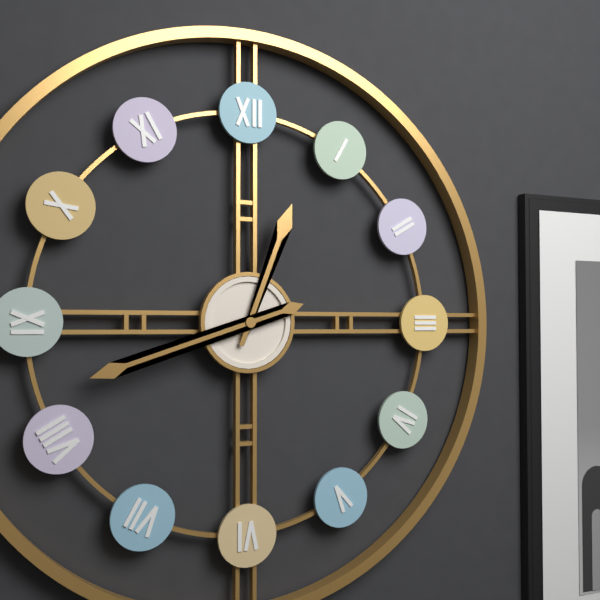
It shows 12:42
